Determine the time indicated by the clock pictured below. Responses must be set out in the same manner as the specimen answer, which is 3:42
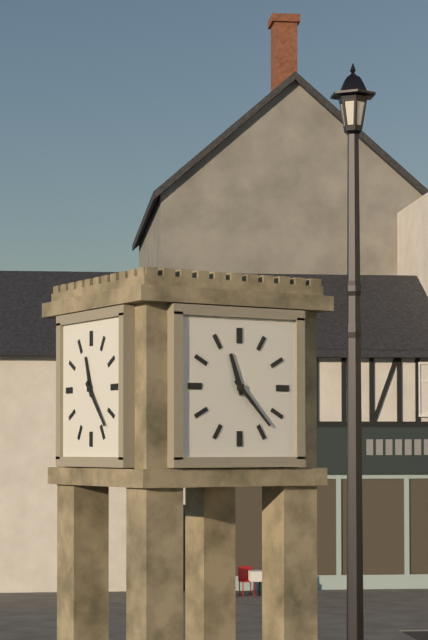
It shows 11:23
